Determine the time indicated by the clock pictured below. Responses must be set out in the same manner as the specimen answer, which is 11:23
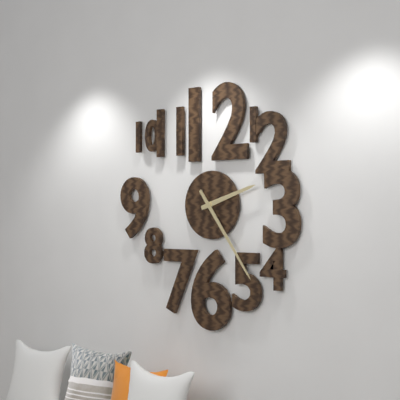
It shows 2:24
